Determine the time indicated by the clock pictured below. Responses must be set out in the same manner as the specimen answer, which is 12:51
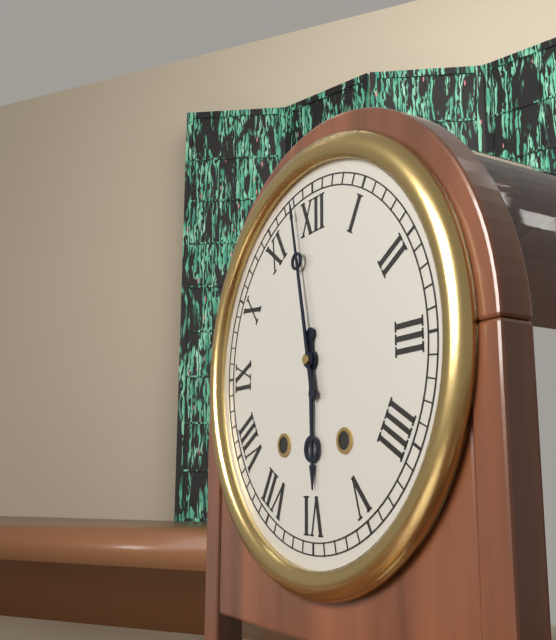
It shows 5:58
